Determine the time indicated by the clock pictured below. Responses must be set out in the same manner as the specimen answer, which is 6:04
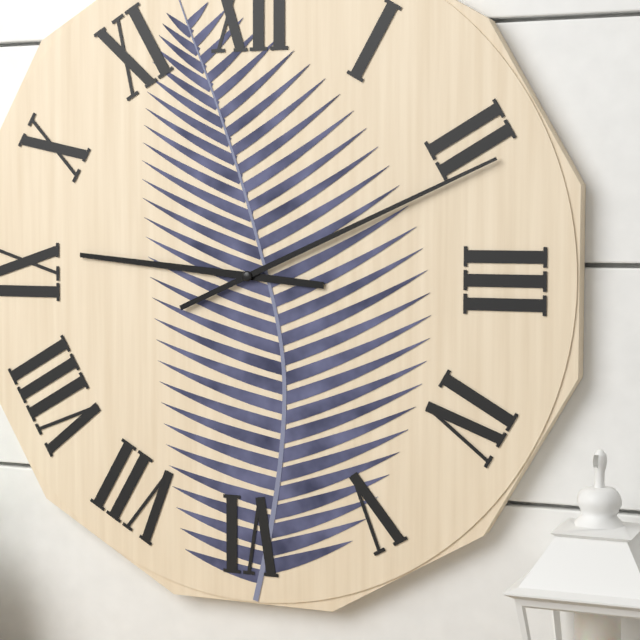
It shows 9:11
